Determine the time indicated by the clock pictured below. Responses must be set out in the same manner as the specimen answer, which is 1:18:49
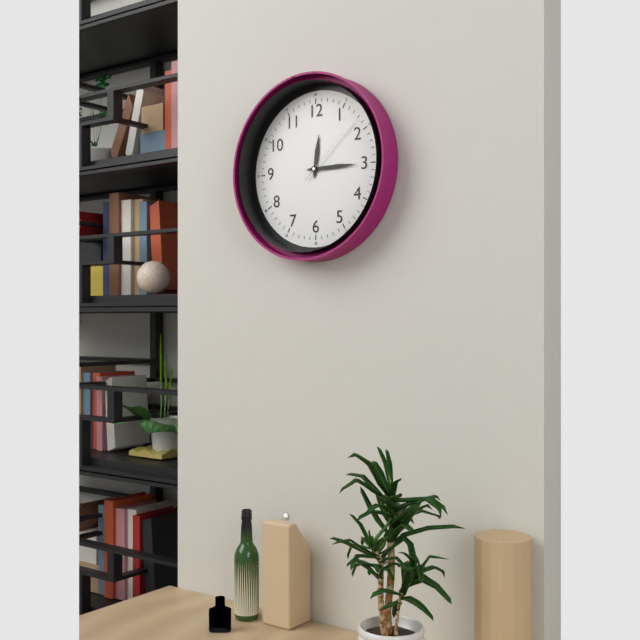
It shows 12:15:08
